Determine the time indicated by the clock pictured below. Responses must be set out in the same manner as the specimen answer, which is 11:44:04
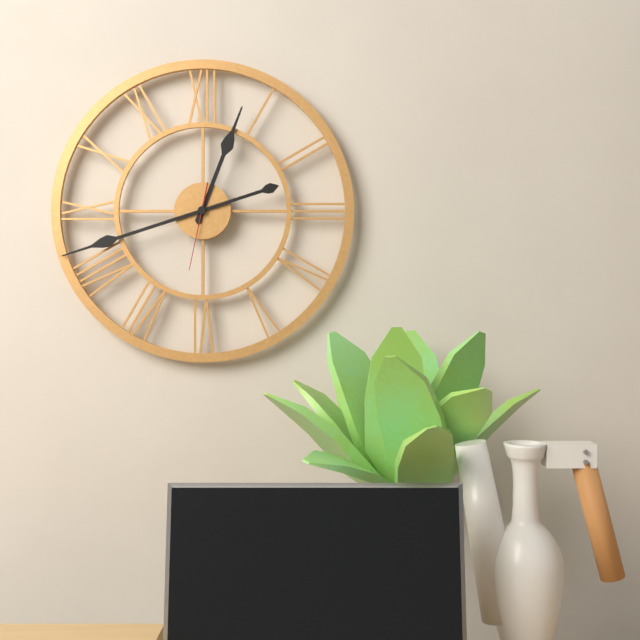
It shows 12:42:32
